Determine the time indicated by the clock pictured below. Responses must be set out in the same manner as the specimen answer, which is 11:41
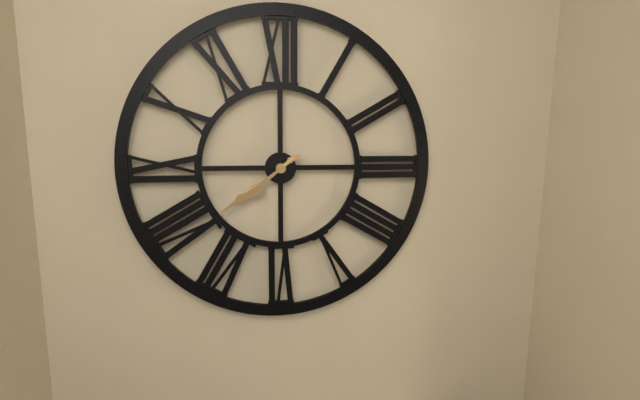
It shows 7:39
